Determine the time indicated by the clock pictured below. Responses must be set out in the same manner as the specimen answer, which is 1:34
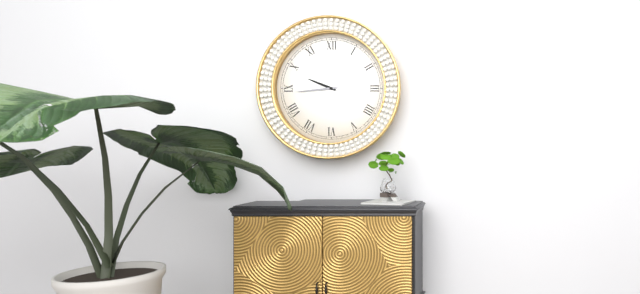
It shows 9:44
